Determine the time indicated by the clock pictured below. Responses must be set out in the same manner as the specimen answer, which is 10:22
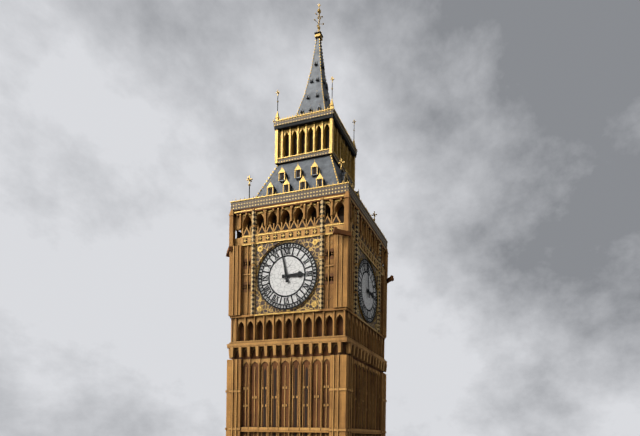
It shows 2:58
